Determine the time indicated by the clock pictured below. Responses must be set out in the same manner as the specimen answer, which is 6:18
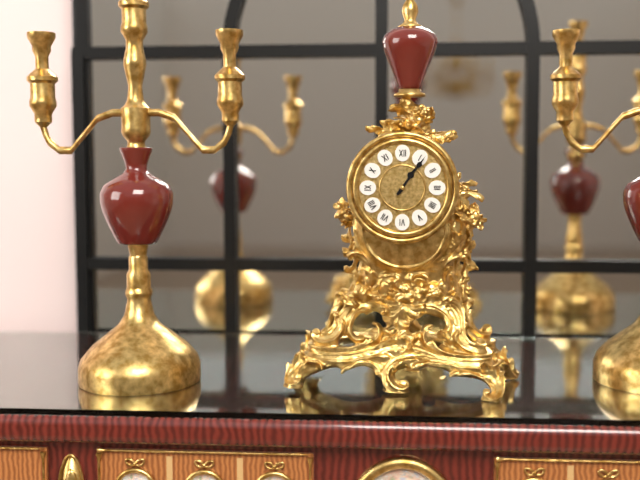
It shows 1:06
